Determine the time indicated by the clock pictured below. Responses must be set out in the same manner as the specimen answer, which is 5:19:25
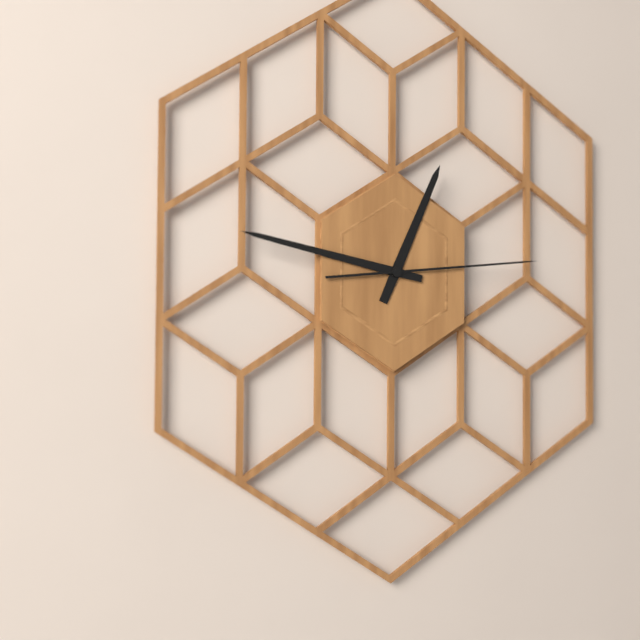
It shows 12:47:14
